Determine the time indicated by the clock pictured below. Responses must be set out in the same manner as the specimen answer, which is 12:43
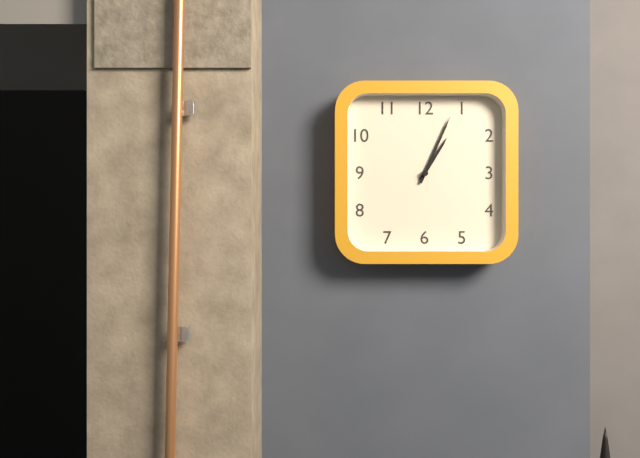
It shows 1:04
